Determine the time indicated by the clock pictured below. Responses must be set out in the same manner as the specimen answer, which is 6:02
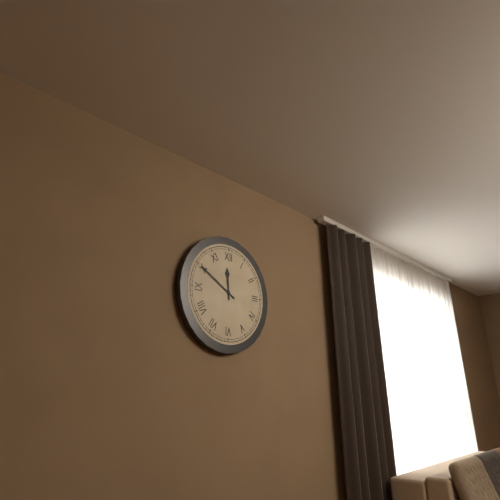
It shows 11:50
